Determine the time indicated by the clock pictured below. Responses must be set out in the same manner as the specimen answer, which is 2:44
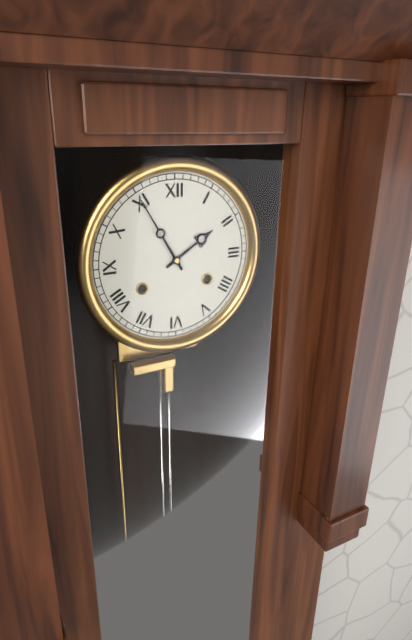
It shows 1:55
